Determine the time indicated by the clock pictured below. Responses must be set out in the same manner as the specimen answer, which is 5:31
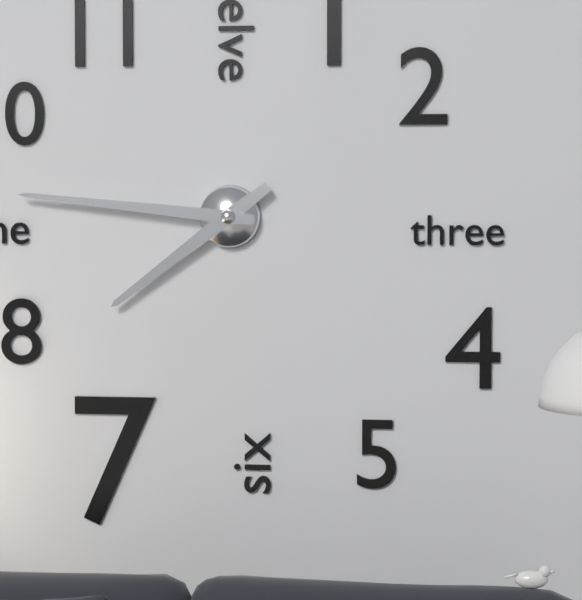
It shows 7:46
